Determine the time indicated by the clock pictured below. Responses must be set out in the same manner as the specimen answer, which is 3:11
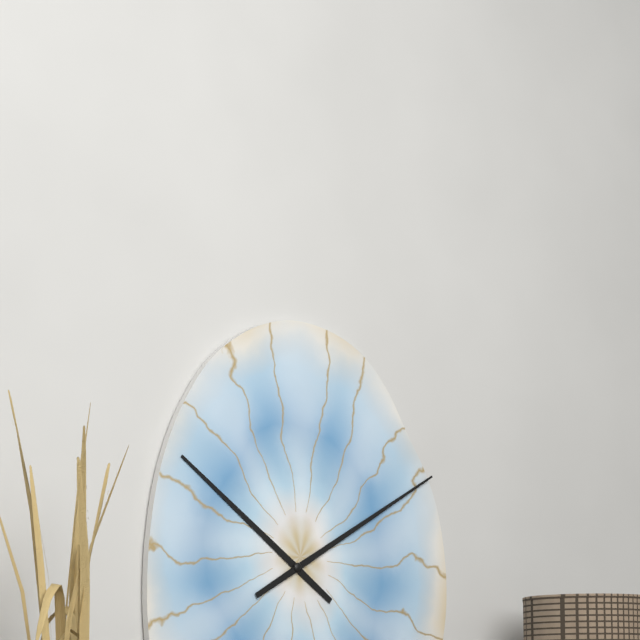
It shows 10:10
